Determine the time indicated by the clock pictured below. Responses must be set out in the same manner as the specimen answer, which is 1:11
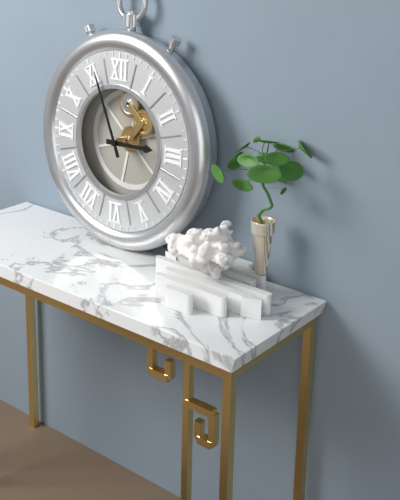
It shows 2:56
